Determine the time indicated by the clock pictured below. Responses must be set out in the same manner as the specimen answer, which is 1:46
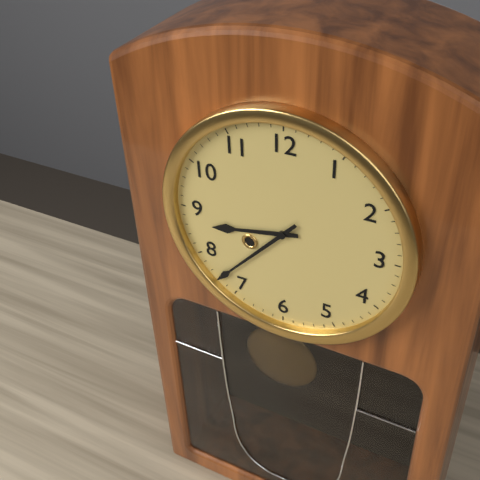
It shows 8:37
